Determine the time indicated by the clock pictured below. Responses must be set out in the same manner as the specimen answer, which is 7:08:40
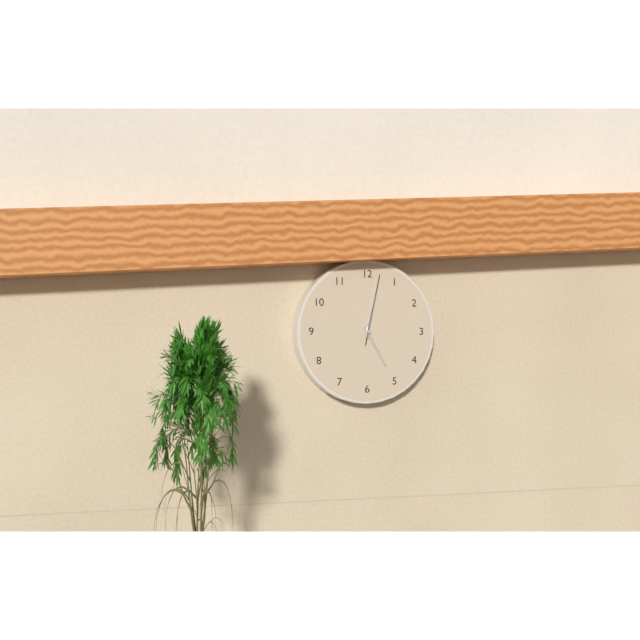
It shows 5:02:02
